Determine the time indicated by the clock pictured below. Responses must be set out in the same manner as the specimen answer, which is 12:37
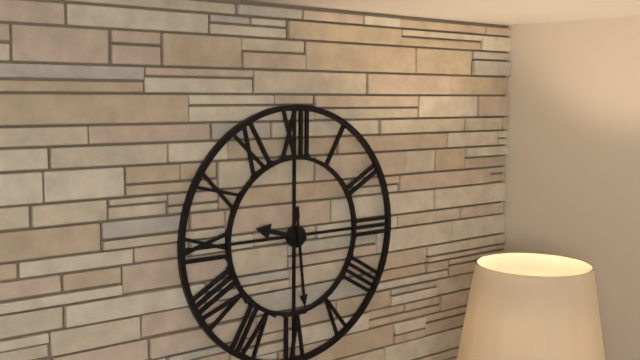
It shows 9:29
